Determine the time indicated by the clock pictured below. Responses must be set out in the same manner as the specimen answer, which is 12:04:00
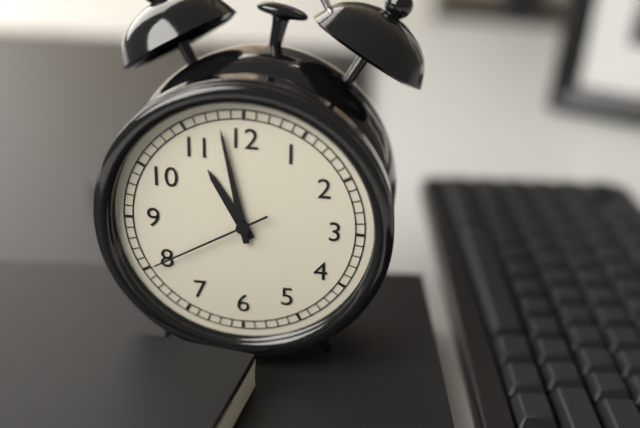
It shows 10:58:40
